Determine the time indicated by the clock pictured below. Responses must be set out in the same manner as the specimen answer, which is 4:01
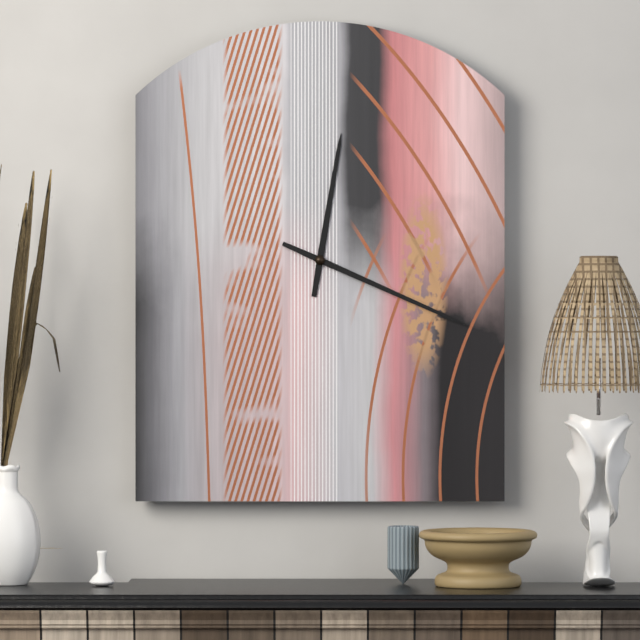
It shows 12:19
